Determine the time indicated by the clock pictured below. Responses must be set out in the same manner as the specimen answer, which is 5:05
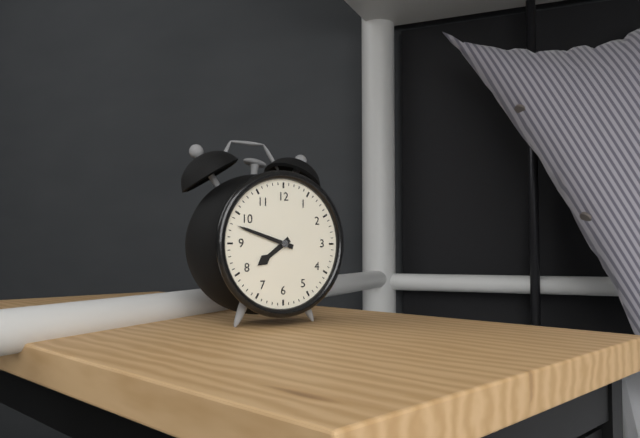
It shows 7:48
